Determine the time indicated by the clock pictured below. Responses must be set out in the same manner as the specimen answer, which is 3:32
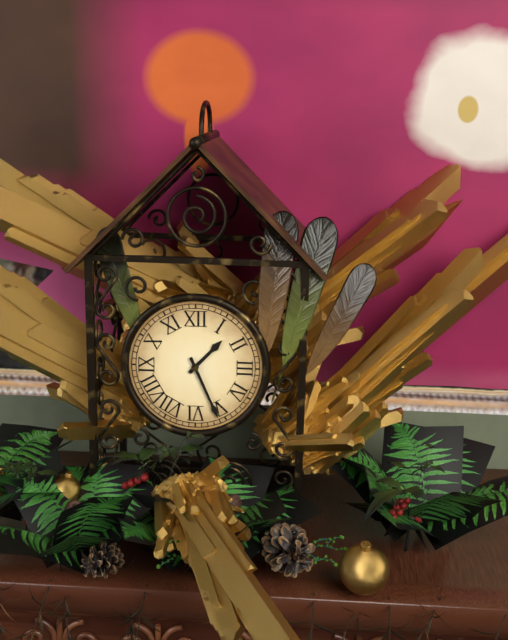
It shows 1:26
